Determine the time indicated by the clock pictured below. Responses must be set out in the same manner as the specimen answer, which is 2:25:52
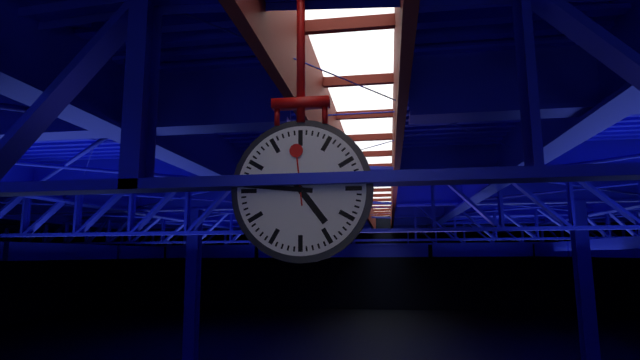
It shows 4:46:59
